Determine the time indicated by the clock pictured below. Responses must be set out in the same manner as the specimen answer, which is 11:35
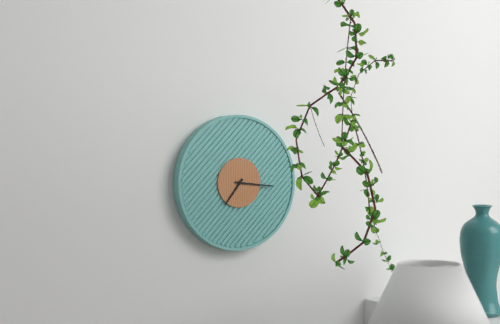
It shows 7:16
